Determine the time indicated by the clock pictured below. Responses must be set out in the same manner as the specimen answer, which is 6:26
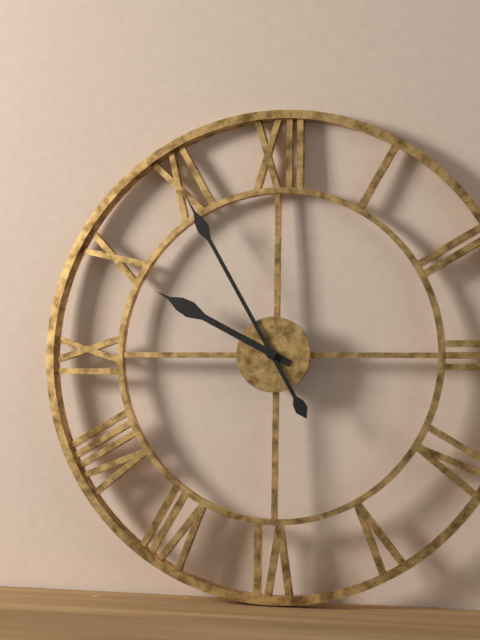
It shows 9:55
